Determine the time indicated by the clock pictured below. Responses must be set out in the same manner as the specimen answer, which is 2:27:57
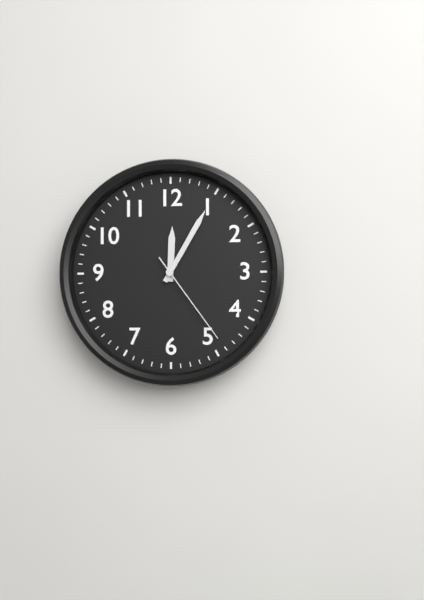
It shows 12:05:24
